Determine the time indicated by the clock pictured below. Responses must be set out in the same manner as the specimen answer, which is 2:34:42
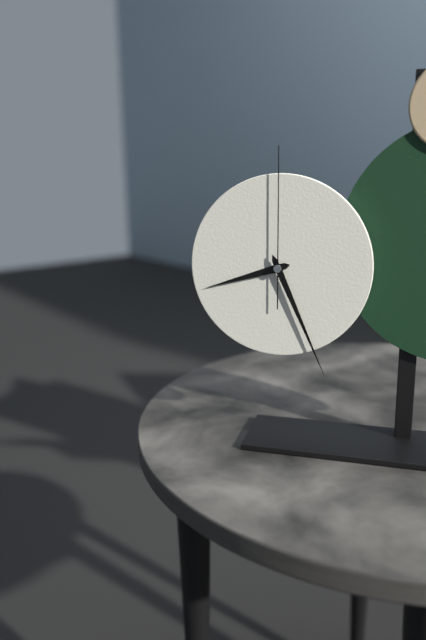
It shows 8:26:00
